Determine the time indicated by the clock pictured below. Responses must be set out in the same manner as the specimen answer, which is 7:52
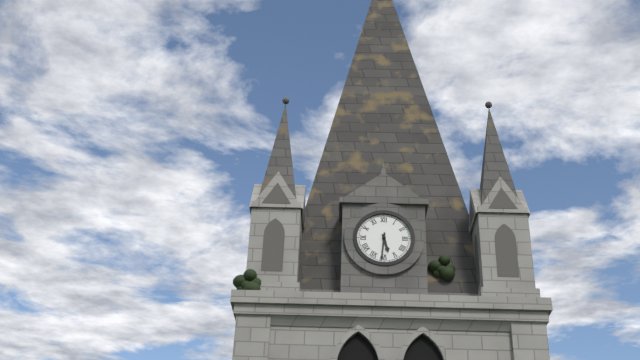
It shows 5:31
